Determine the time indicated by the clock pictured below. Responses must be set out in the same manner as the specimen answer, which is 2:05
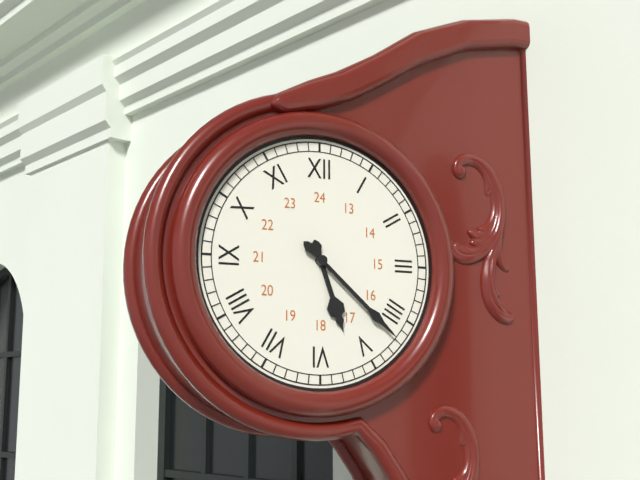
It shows 5:22
